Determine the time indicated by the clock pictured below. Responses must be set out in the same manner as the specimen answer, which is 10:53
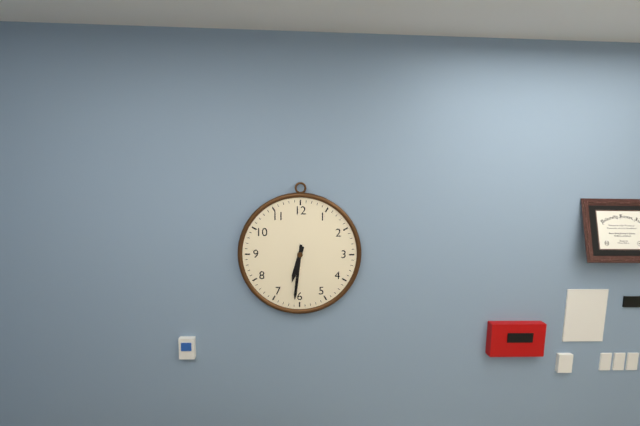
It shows 6:31
